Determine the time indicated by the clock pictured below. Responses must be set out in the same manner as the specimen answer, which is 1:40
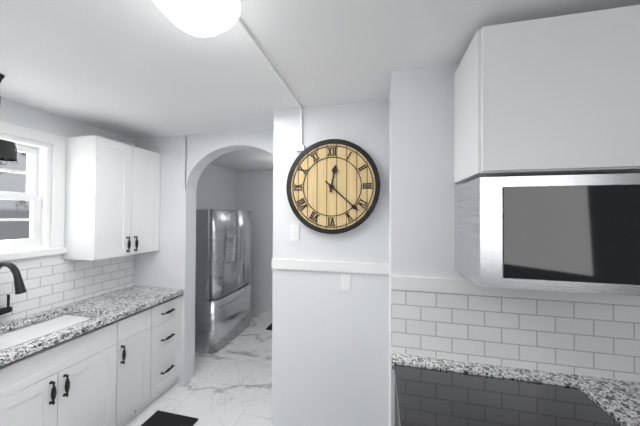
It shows 12:22
